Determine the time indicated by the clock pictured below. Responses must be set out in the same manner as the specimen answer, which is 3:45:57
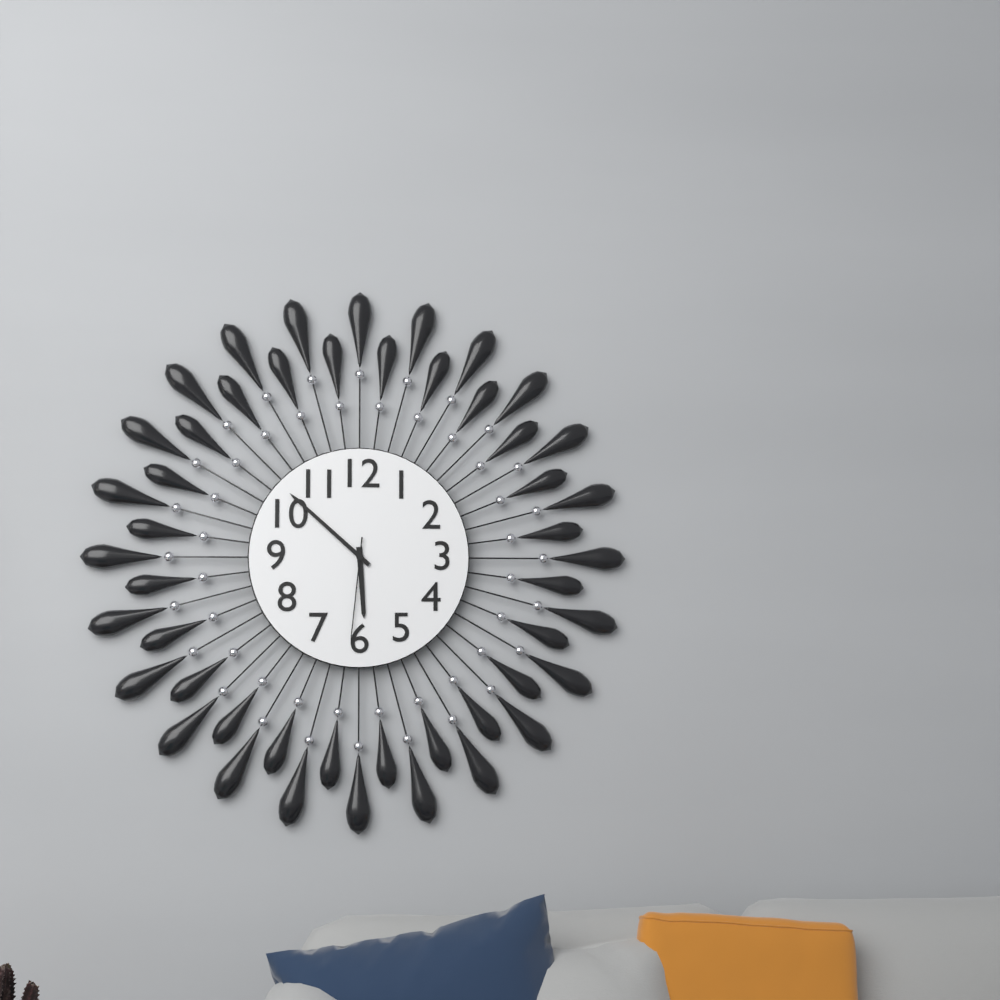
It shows 5:52:31
